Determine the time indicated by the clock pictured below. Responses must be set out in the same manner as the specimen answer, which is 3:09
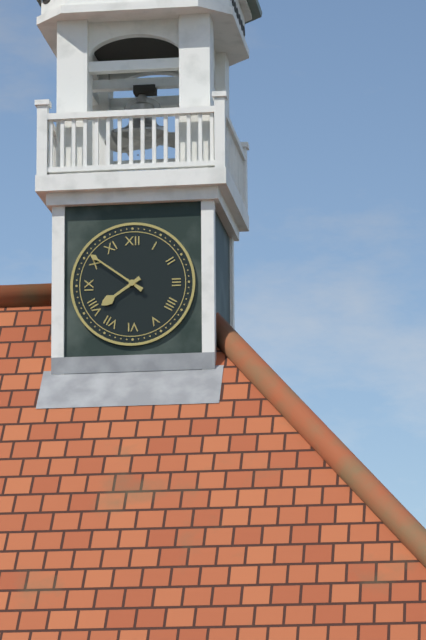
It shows 7:51
